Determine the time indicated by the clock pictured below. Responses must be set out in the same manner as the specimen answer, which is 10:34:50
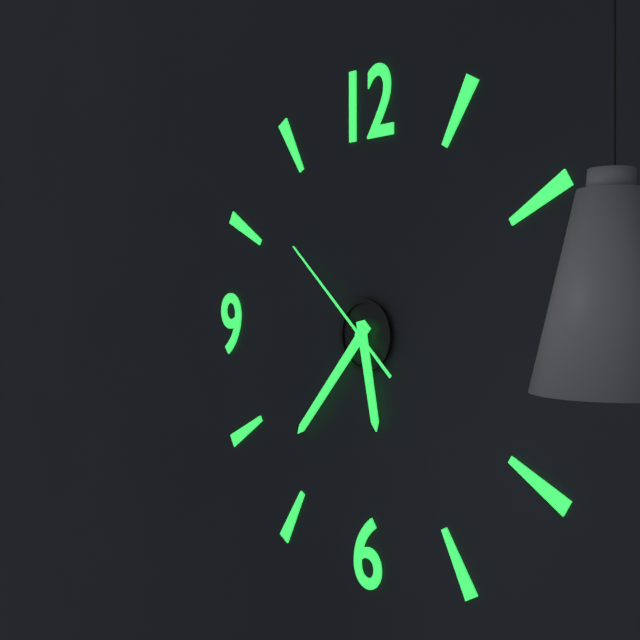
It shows 5:37:52
